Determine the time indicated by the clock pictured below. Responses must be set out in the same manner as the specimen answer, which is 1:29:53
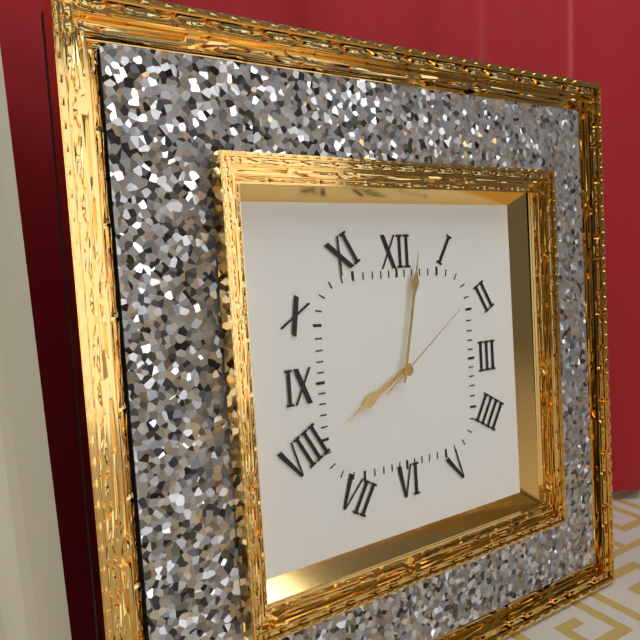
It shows 8:02:09
